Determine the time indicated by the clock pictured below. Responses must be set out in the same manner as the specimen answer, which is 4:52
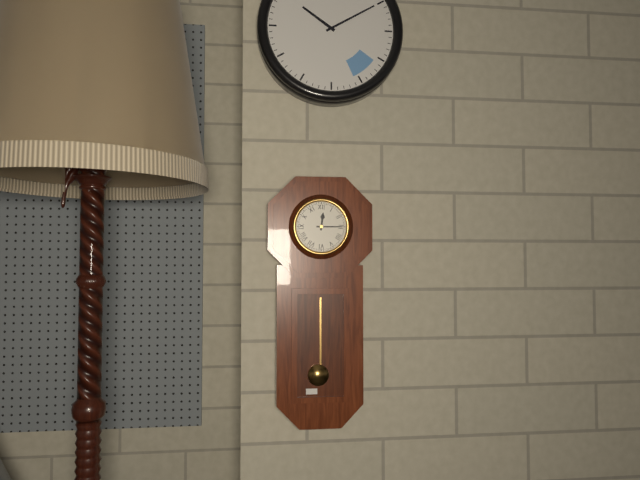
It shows 12:15
